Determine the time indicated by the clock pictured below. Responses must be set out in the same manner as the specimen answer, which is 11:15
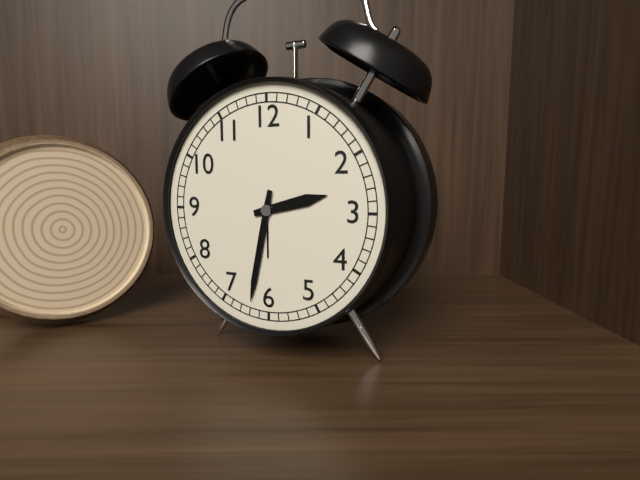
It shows 2:32
